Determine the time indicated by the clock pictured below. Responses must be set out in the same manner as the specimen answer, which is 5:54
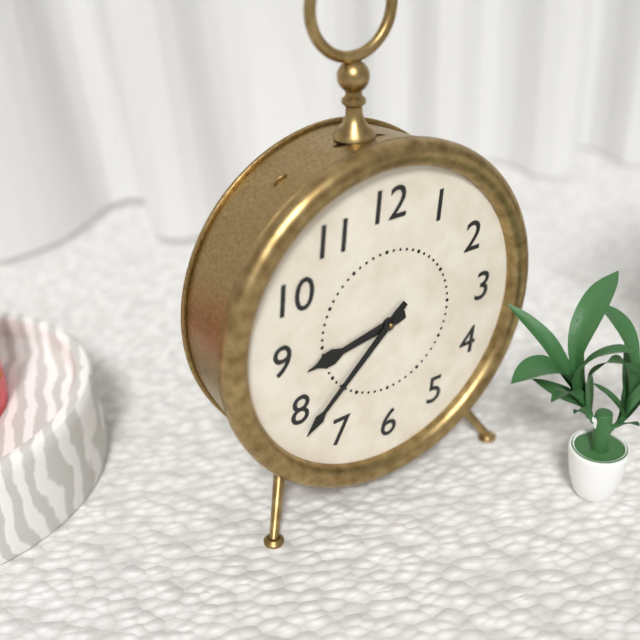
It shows 8:38
